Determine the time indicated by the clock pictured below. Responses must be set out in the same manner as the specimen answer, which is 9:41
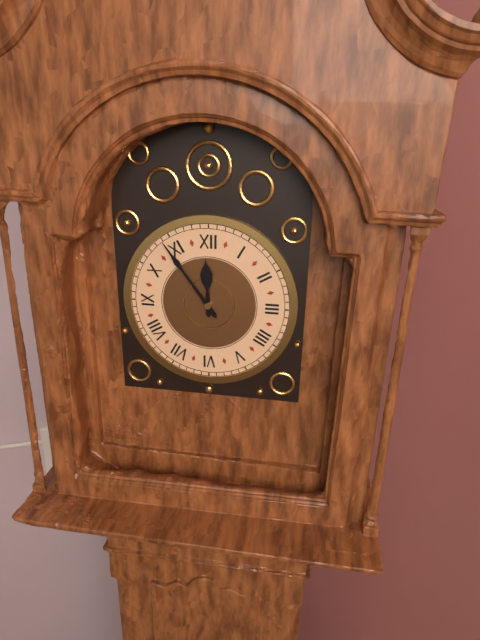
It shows 11:54
